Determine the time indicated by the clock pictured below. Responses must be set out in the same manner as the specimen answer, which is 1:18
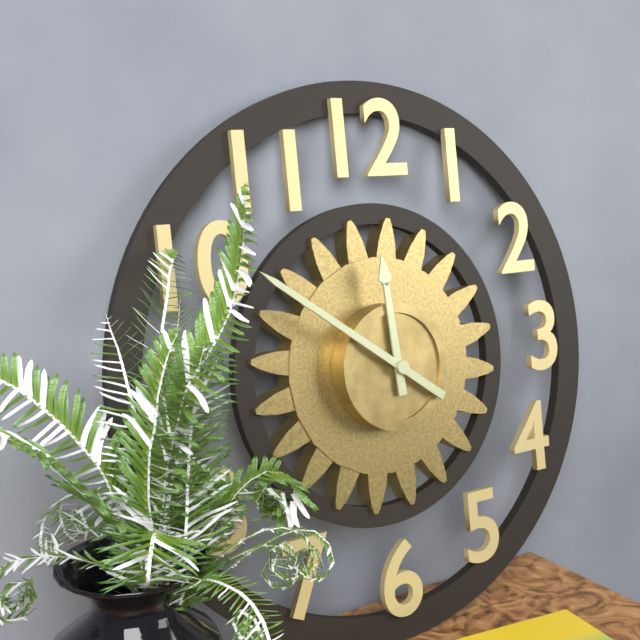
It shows 11:51
